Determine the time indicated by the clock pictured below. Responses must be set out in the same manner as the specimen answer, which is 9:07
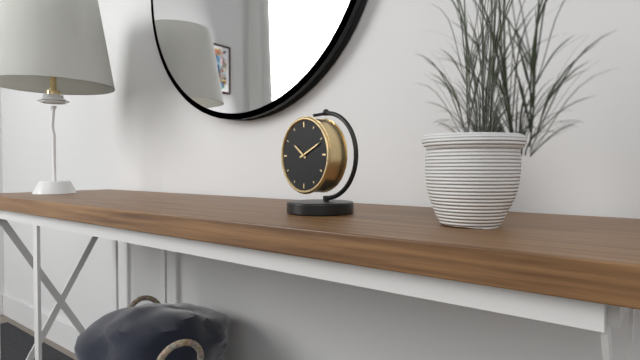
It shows 10:11
